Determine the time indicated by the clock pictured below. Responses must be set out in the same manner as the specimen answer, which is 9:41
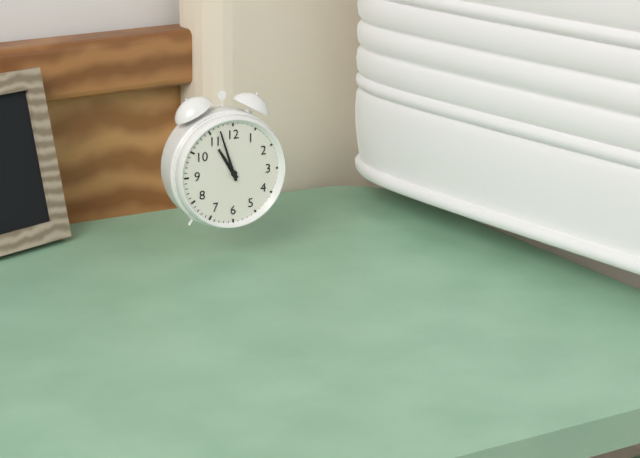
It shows 10:57
